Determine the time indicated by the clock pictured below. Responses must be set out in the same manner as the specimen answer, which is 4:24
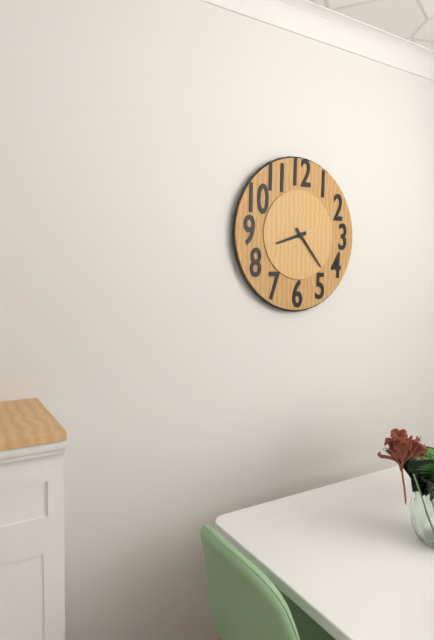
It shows 8:23
